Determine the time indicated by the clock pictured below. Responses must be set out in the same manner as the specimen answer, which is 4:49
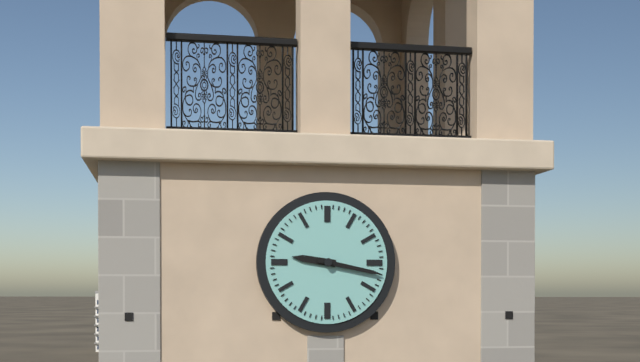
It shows 9:17
